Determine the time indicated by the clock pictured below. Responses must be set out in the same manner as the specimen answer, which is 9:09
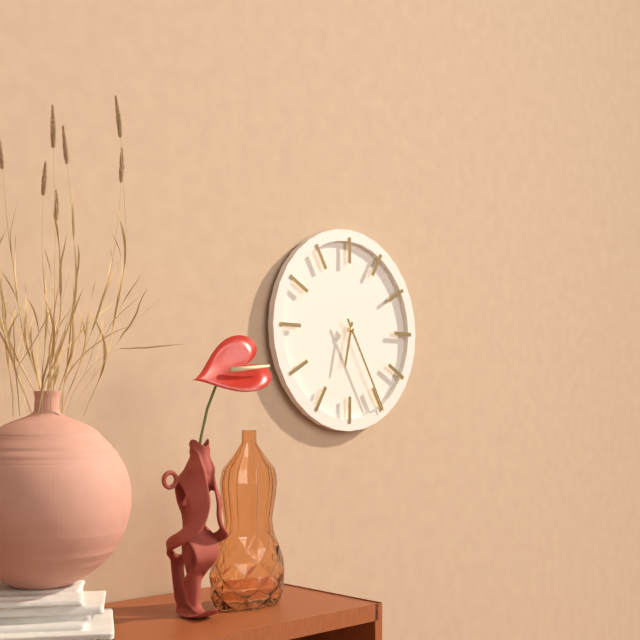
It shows 6:25
